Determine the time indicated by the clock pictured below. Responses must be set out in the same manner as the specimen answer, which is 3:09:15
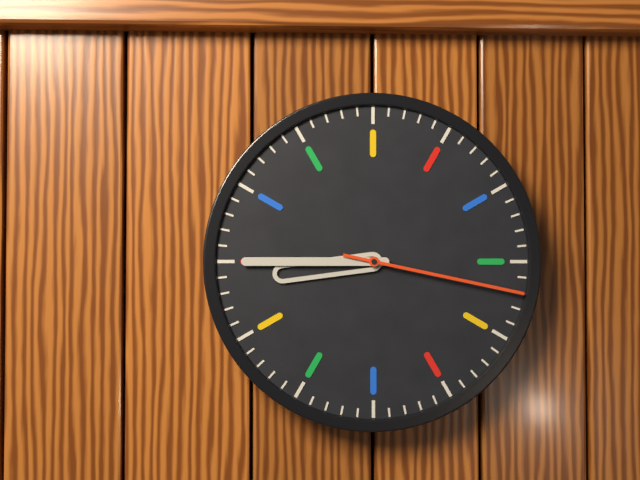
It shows 8:45:17
